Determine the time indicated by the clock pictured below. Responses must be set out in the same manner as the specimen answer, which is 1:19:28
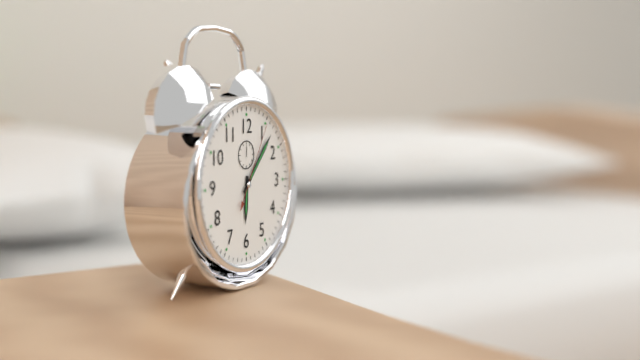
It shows 6:07:05
